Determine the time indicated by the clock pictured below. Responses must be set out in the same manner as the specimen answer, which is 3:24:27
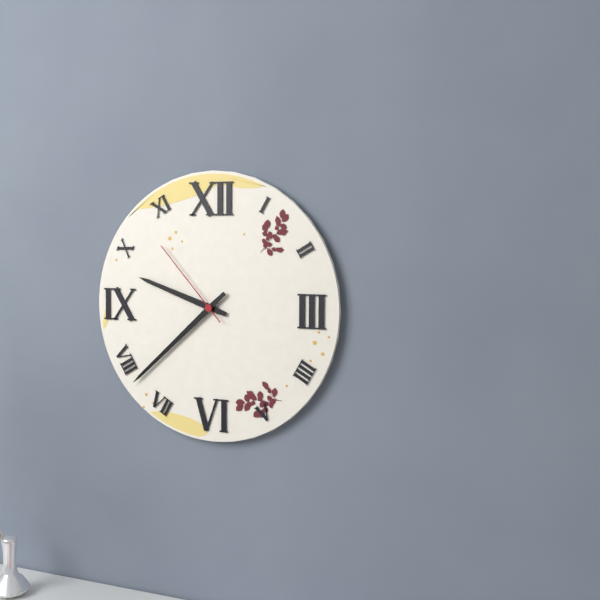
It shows 9:38:53
